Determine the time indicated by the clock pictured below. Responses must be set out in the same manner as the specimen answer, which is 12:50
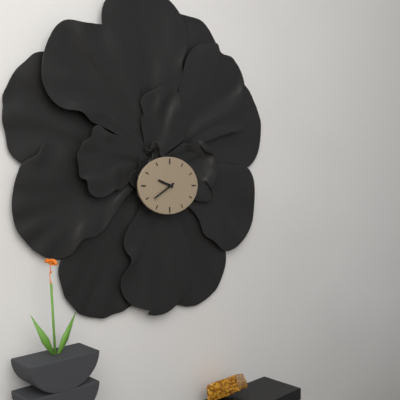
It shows 9:40
